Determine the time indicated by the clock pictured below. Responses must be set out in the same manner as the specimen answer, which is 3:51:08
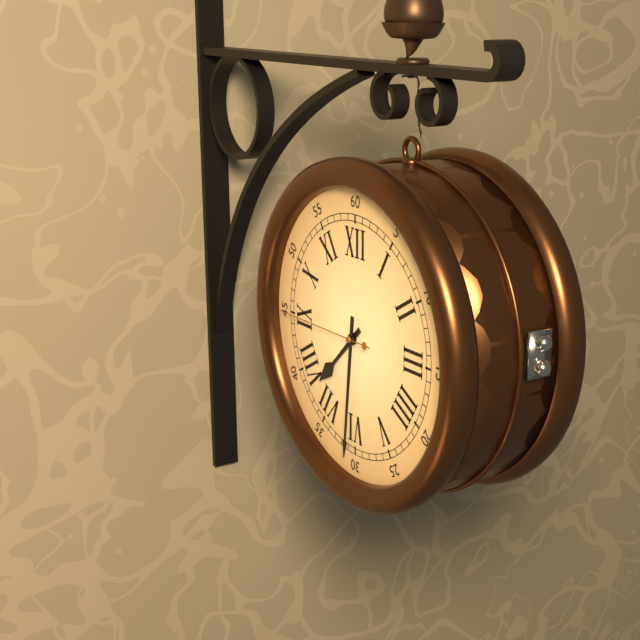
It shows 7:31:45
